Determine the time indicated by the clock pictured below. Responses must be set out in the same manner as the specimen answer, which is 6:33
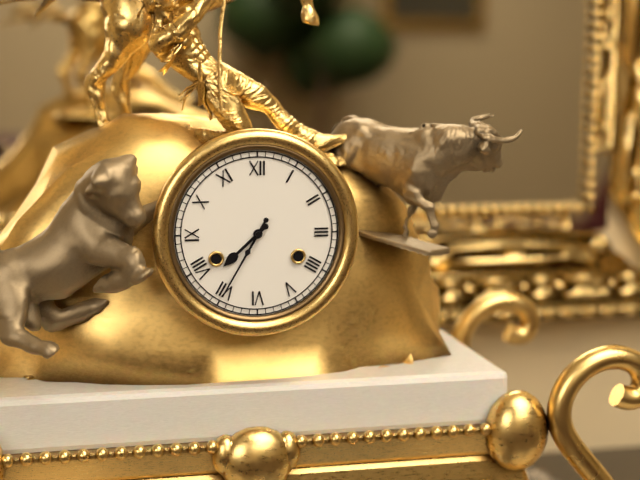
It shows 7:35
